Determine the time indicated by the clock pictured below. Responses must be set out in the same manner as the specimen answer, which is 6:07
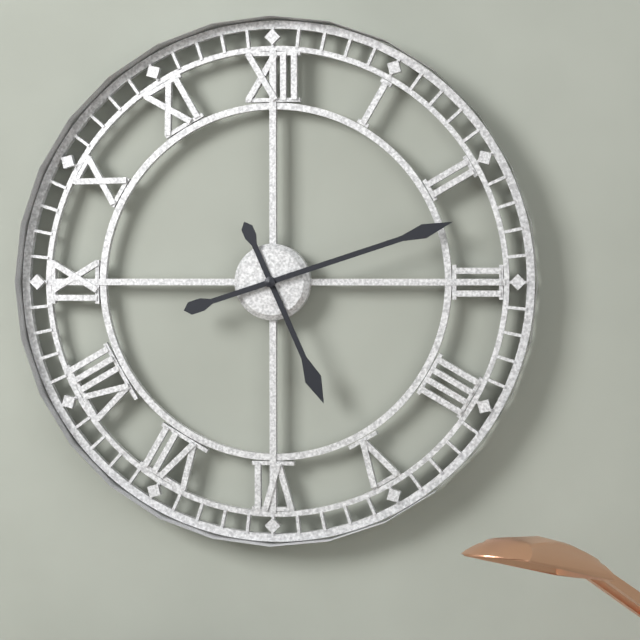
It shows 5:12
